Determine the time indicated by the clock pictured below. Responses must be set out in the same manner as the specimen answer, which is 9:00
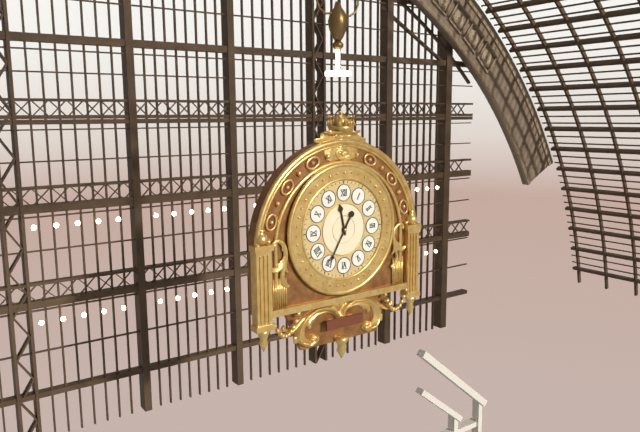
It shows 11:35
